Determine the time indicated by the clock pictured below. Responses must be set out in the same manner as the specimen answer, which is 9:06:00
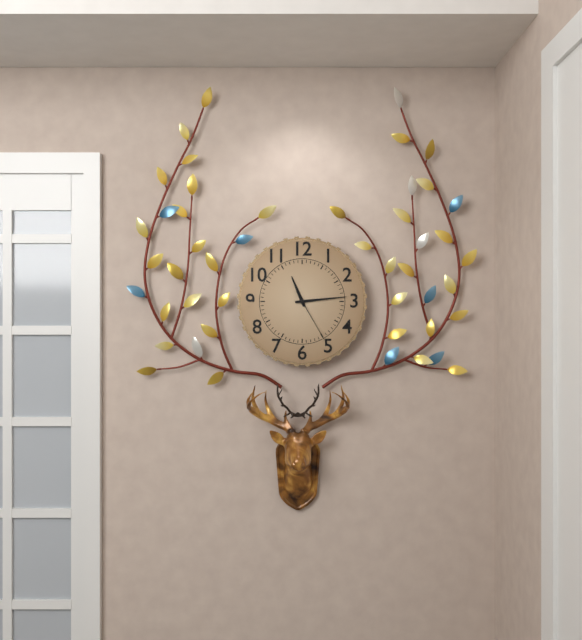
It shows 11:14:25
